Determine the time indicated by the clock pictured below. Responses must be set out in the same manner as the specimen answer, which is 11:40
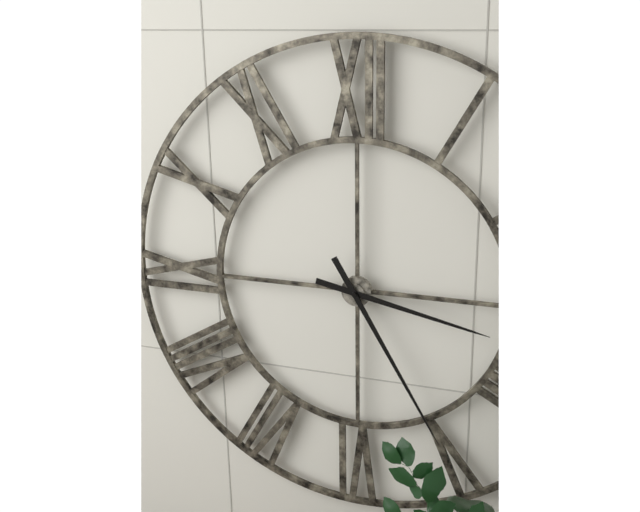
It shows 3:25
